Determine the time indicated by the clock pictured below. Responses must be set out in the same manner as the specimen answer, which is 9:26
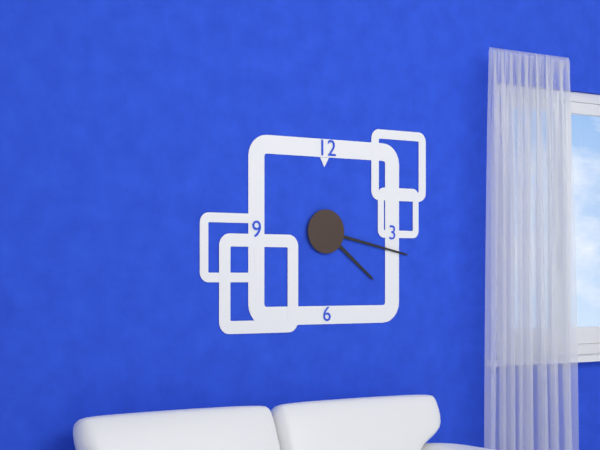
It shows 4:17
